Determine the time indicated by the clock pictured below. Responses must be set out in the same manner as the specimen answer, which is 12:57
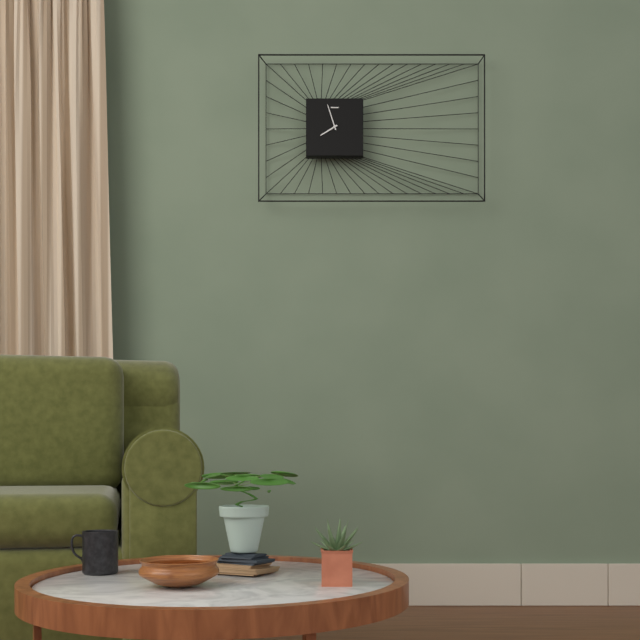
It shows 7:57
